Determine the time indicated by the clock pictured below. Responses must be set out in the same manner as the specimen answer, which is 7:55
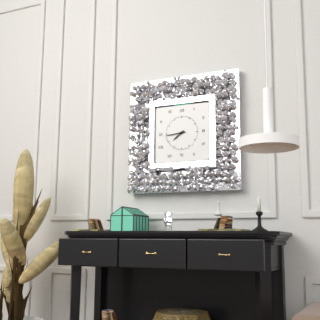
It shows 7:44
